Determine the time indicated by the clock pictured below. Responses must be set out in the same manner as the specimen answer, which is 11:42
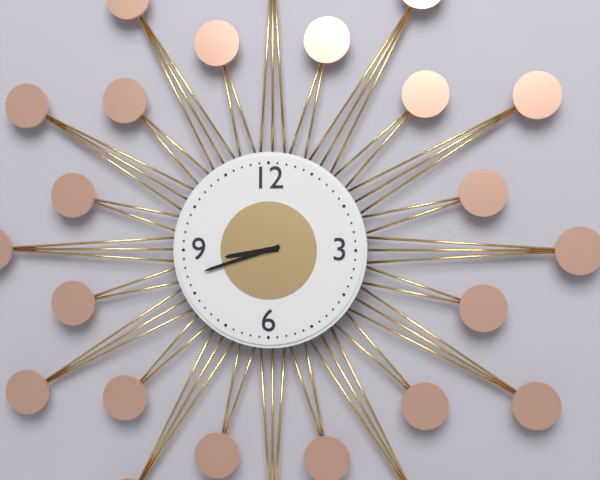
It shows 8:42
